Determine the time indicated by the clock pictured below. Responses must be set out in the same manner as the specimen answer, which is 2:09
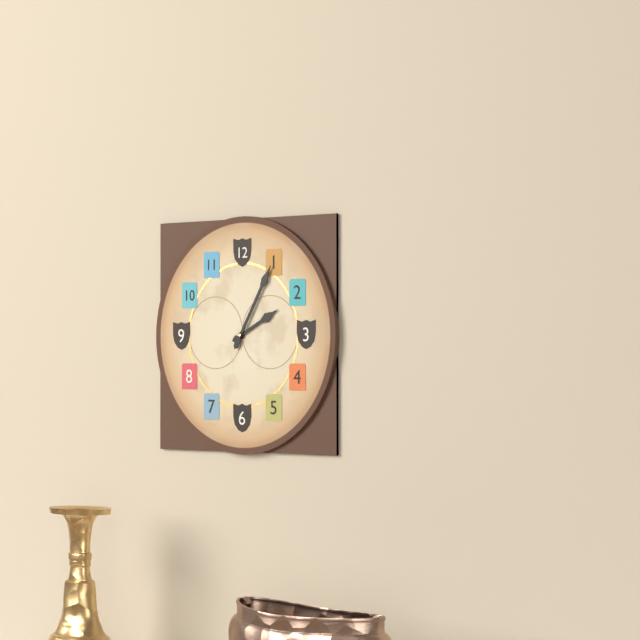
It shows 2:05
